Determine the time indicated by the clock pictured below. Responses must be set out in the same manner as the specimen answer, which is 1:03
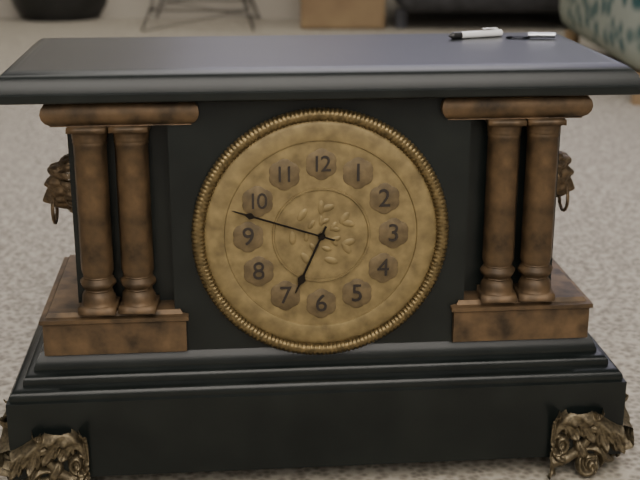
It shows 6:48
